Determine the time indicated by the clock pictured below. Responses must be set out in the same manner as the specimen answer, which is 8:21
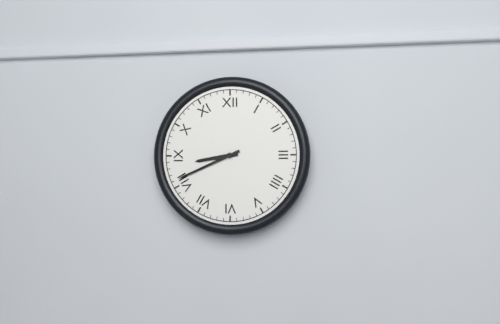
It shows 8:41
